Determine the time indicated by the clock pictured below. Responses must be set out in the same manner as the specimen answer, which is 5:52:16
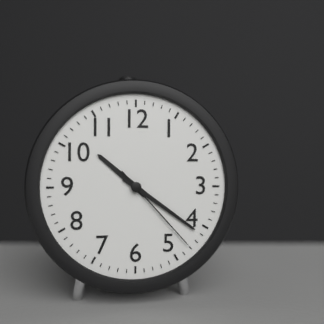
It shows 10:21:23
